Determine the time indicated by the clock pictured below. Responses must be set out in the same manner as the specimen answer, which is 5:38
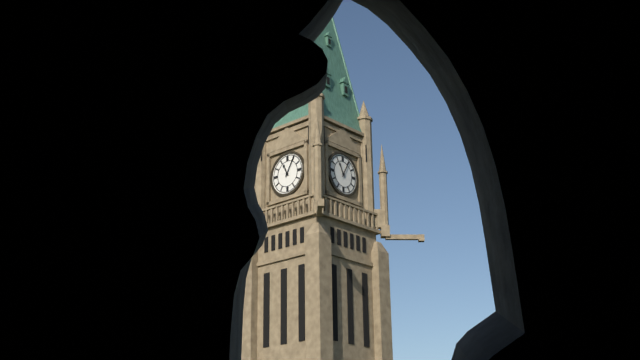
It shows 11:05
